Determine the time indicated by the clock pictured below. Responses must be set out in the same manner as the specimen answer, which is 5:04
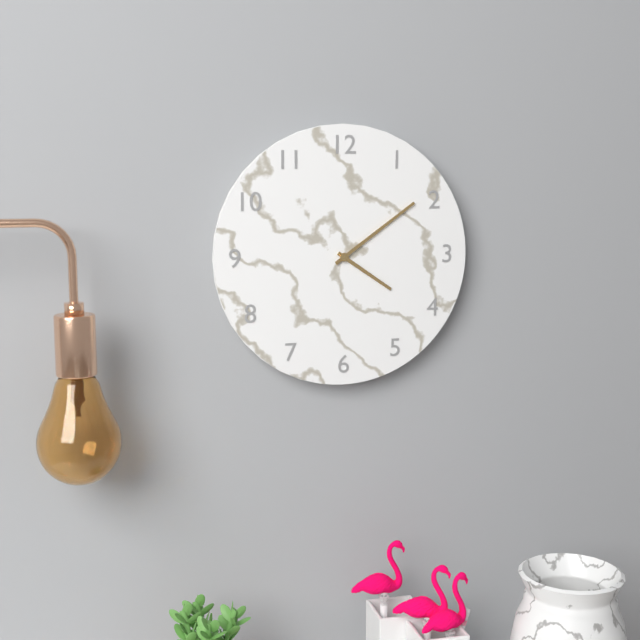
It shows 4:09
